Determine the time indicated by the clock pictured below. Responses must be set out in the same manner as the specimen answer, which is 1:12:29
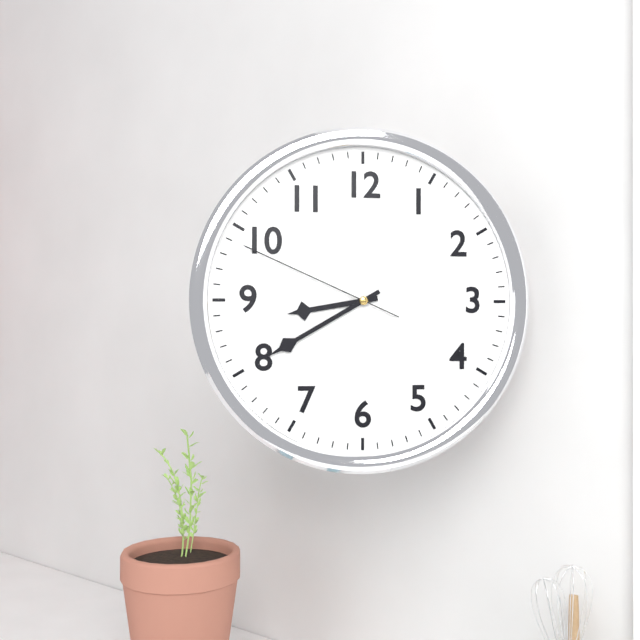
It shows 8:40:49
